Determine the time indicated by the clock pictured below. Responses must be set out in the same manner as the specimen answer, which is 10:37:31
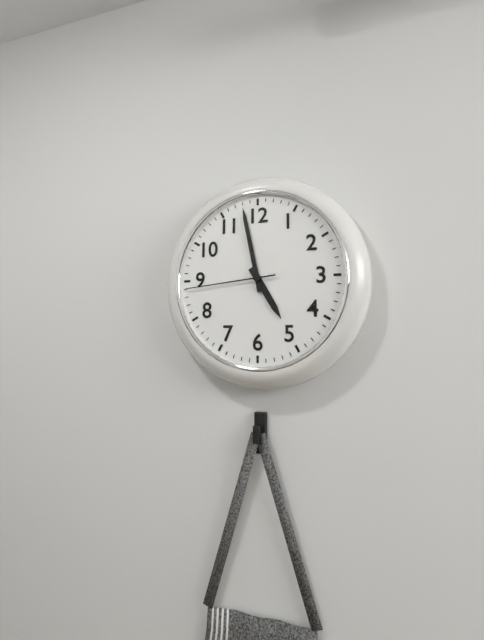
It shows 4:58:44
